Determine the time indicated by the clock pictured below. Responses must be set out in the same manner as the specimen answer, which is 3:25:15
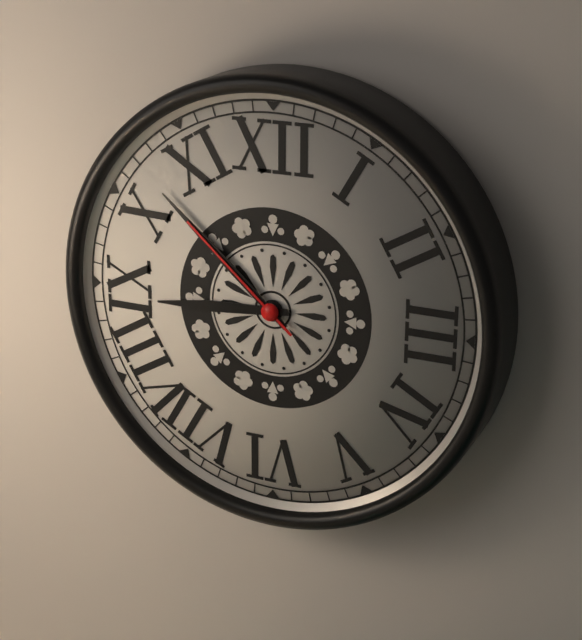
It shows 8:52:52
